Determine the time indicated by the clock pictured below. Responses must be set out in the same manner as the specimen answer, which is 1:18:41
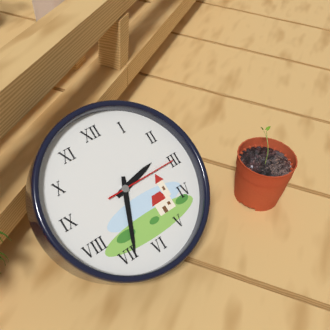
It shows 2:34:15
